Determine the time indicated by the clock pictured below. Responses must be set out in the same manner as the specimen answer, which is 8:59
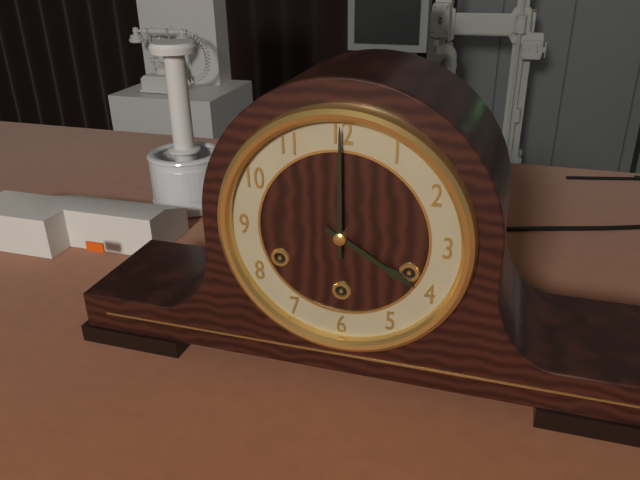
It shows 4:00
